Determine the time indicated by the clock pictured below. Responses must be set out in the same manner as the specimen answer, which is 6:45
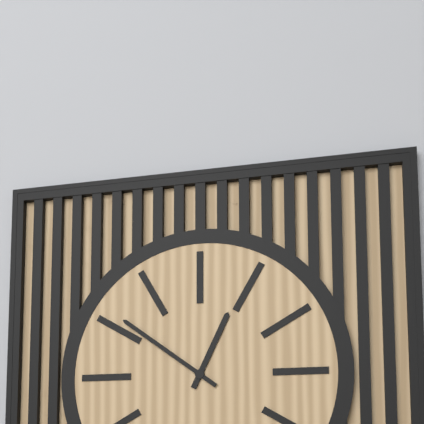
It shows 12:51
